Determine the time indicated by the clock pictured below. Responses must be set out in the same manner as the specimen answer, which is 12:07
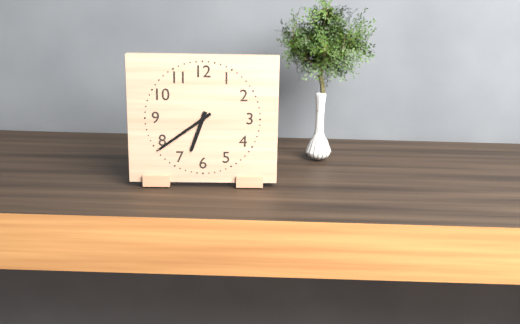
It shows 6:39
